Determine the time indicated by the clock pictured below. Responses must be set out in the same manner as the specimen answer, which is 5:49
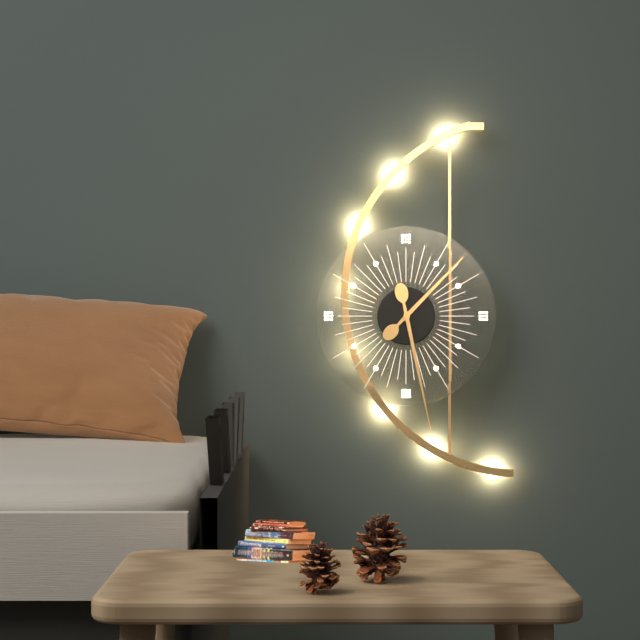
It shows 1:28
